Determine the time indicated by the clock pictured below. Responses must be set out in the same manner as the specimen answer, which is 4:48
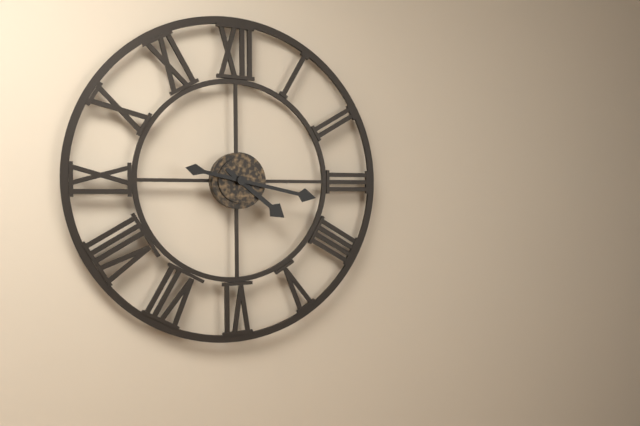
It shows 4:17
